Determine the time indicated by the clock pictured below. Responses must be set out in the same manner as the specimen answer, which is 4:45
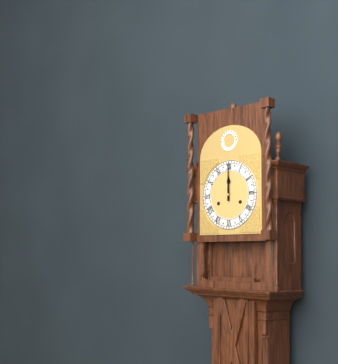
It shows 12:00
